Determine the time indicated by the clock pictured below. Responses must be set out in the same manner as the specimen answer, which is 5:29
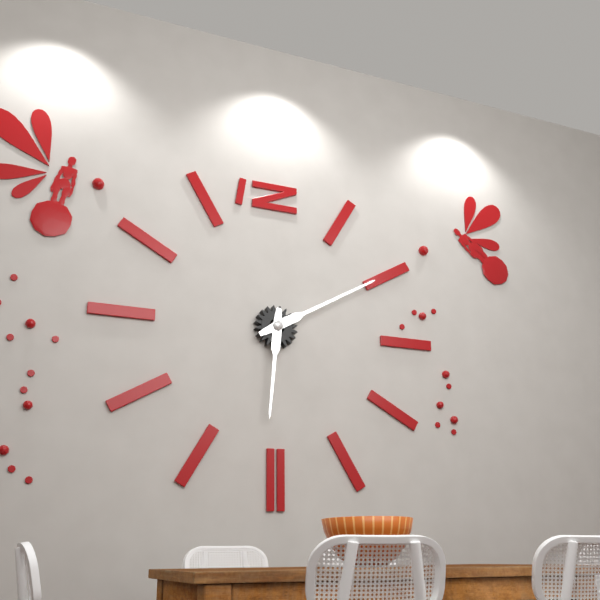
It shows 6:10
